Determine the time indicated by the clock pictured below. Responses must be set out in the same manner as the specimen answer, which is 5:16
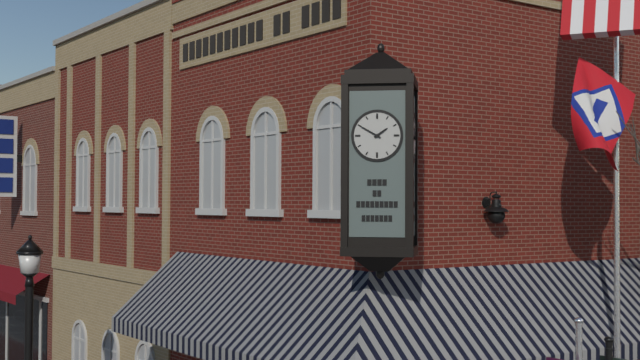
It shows 1:50
